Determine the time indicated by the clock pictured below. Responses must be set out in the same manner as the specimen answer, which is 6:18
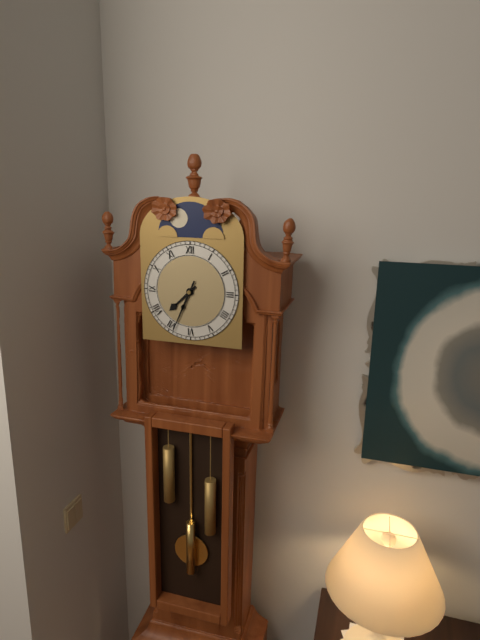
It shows 7:34
